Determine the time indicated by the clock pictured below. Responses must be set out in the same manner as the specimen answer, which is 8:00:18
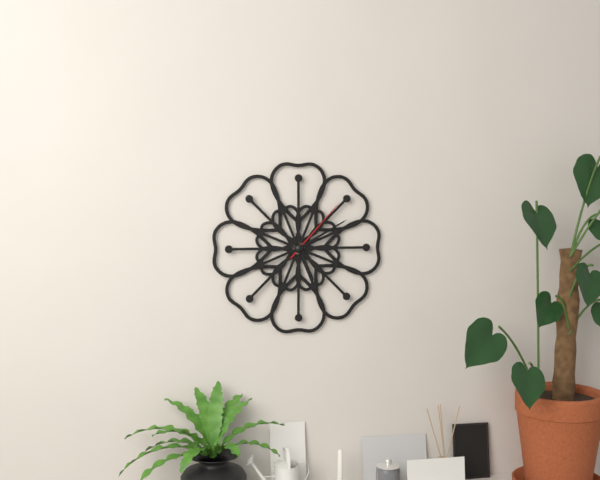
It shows 5:10:07
